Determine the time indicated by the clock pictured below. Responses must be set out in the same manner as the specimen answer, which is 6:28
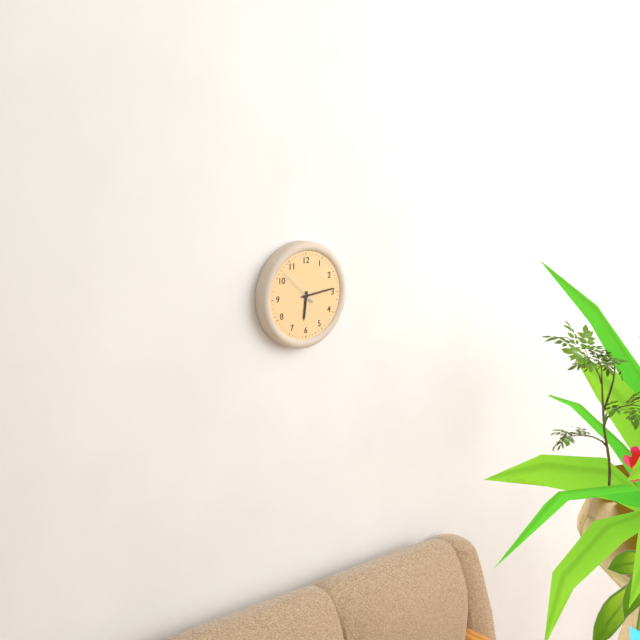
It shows 6:14
